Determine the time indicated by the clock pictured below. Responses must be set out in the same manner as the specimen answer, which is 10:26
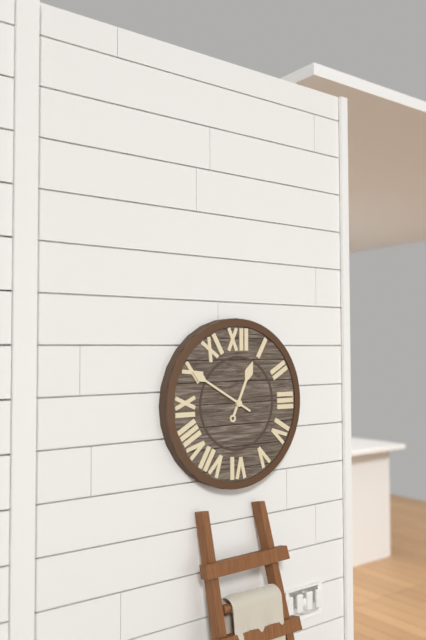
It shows 12:50
